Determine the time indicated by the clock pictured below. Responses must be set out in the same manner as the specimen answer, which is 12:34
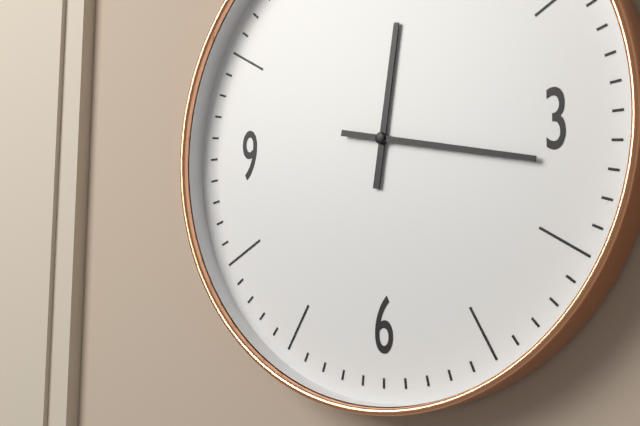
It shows 12:17
